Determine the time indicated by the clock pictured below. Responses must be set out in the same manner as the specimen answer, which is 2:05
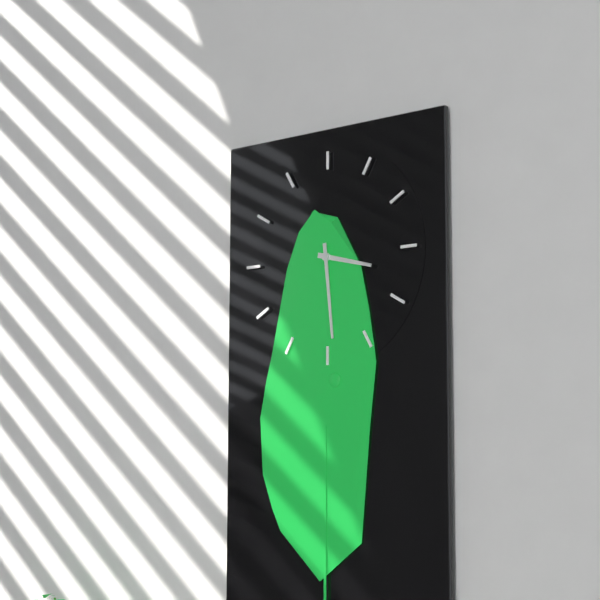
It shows 3:29
